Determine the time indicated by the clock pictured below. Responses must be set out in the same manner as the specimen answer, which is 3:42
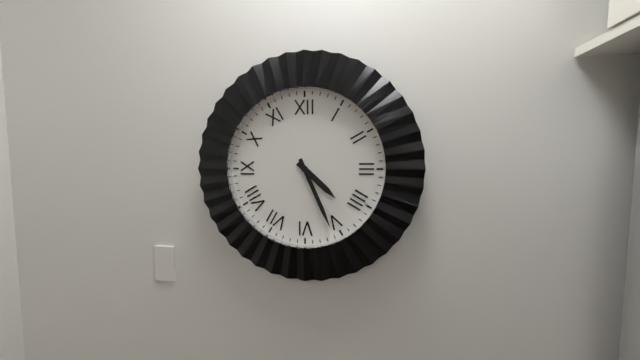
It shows 4:26
